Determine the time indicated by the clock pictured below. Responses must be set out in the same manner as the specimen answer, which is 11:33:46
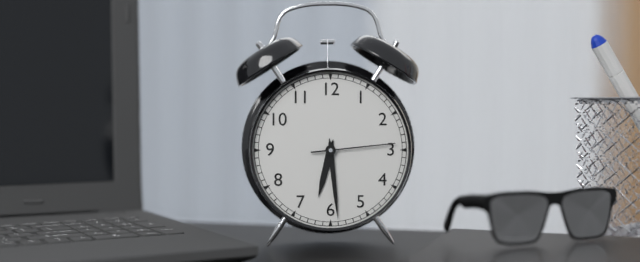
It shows 6:29:14
